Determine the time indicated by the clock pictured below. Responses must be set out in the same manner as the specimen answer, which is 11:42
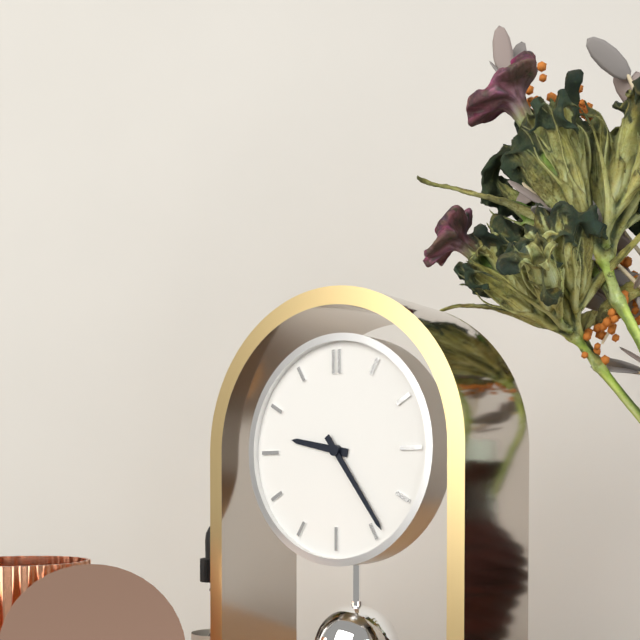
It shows 9:24
